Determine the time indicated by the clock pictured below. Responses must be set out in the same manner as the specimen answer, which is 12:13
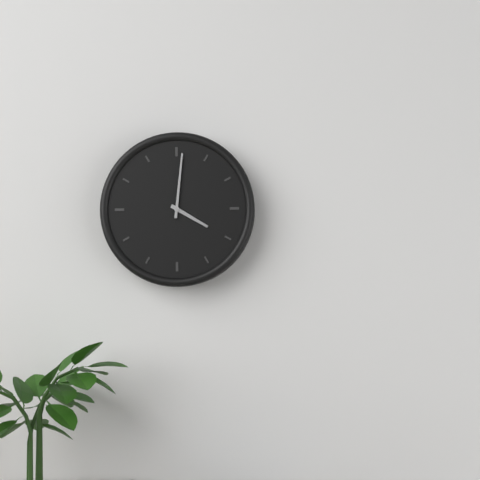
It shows 4:01
